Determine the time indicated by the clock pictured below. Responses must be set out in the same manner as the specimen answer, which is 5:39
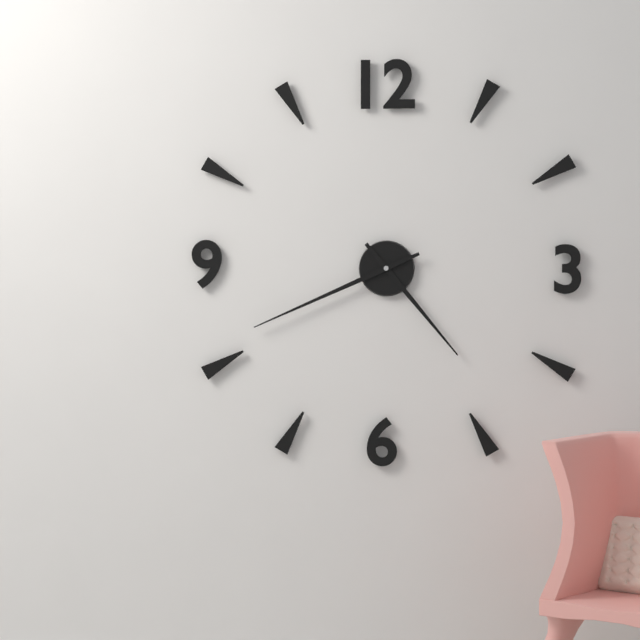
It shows 4:41
